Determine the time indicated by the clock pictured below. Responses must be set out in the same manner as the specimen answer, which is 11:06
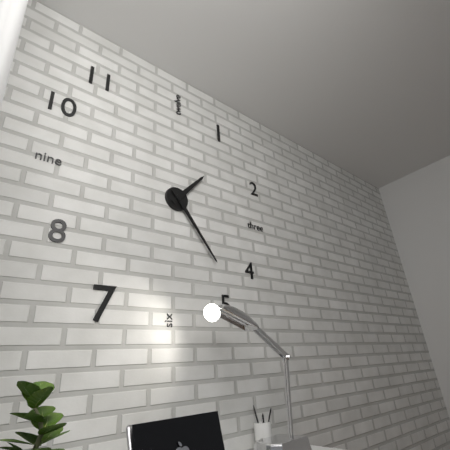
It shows 1:24
